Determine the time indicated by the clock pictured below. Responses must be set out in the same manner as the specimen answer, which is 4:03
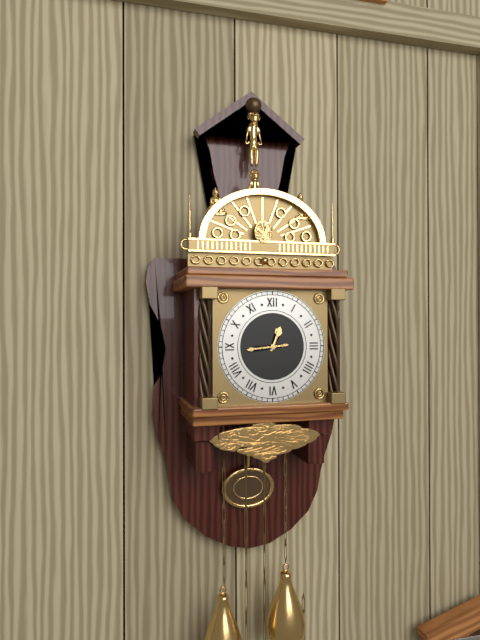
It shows 12:44
